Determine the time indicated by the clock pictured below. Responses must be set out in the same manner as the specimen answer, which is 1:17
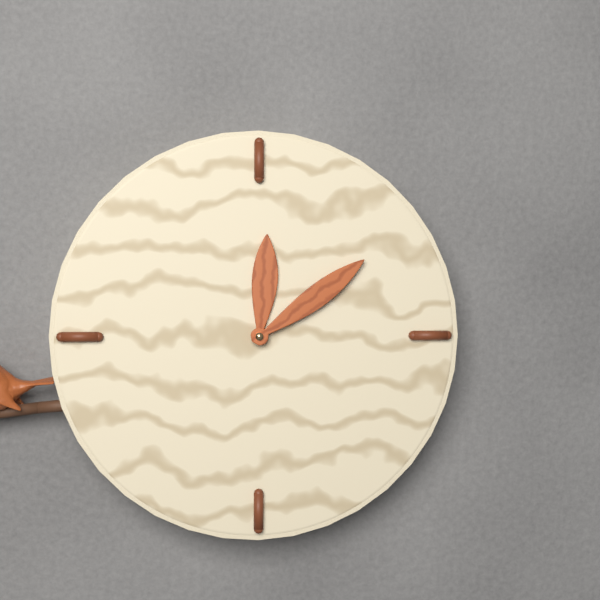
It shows 12:09
